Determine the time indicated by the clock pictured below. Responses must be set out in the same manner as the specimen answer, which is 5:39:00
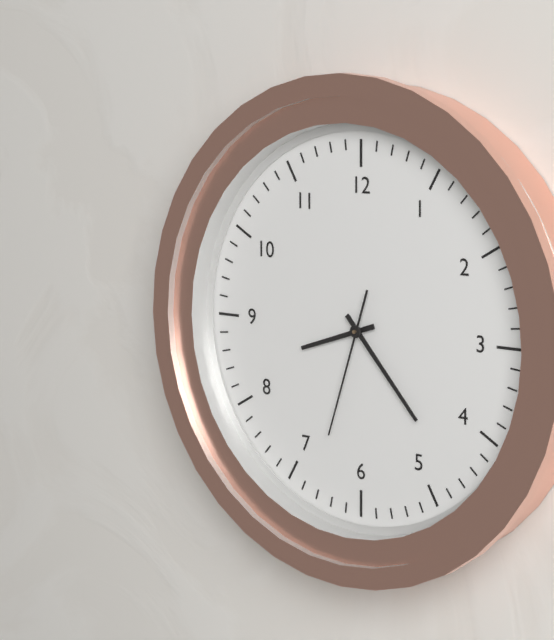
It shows 8:23:33
